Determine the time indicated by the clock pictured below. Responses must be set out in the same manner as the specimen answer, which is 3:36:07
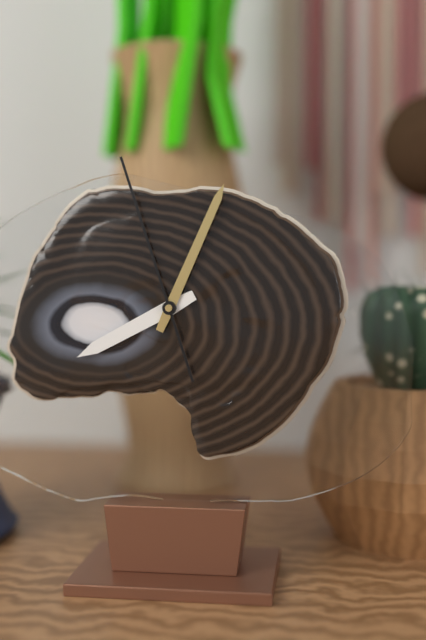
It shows 8:04:57
